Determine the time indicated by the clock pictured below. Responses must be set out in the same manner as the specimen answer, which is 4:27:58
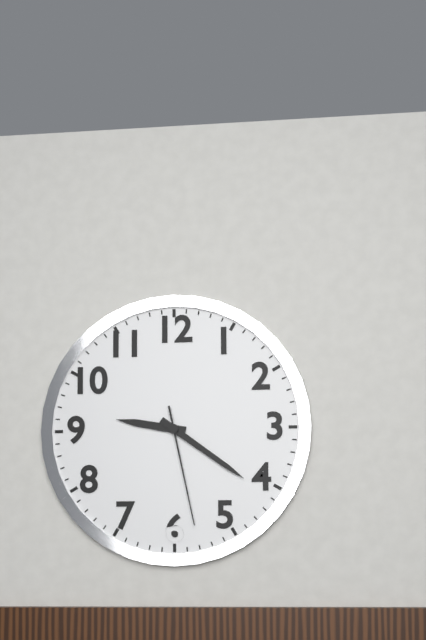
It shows 9:21:28
